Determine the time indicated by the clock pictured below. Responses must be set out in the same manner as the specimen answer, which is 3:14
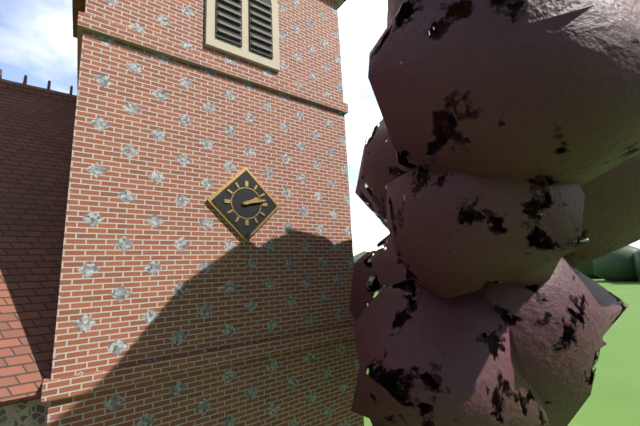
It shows 2:13
